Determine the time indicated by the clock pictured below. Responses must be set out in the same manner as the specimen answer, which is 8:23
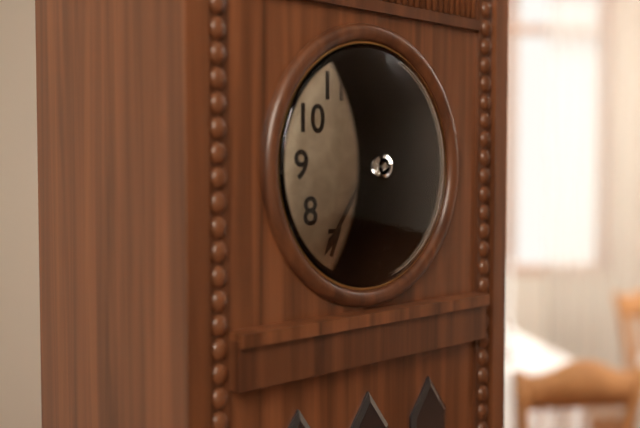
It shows 1:36
